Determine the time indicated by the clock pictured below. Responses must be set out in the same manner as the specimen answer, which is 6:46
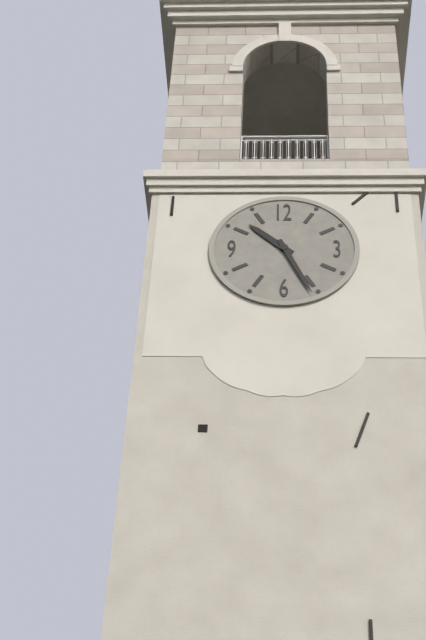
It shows 10:26
